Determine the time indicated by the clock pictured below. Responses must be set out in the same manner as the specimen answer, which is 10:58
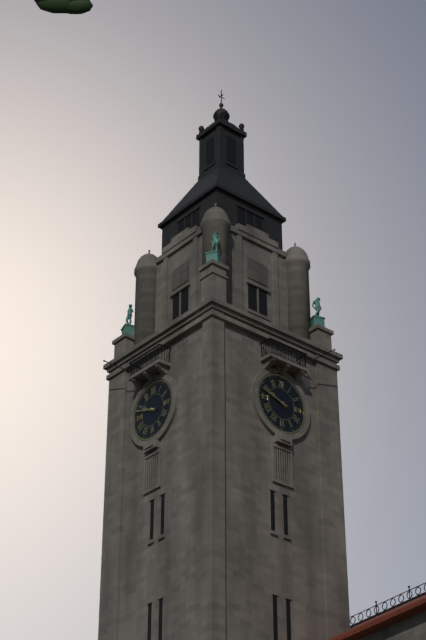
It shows 9:48
